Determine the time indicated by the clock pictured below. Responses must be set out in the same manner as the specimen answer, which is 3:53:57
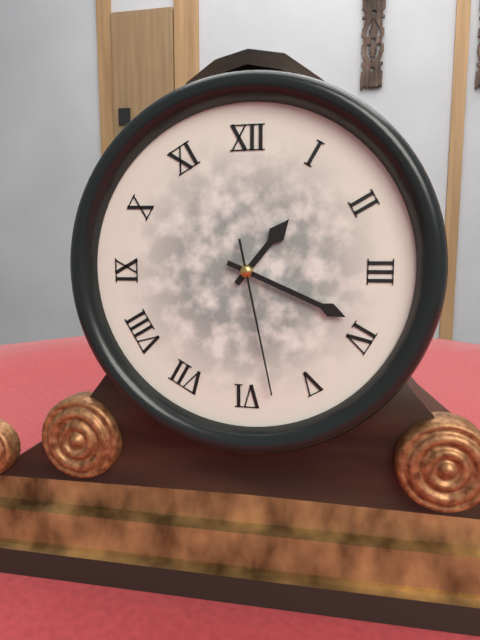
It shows 1:19:28
